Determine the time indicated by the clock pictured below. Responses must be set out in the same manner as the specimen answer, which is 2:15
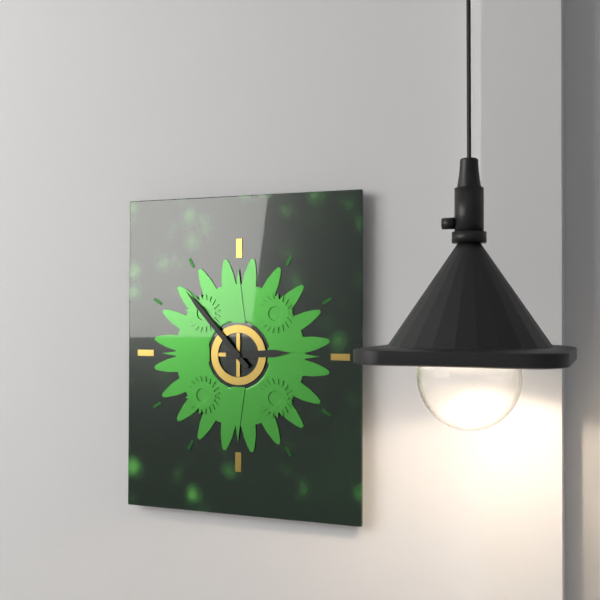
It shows 2:53
